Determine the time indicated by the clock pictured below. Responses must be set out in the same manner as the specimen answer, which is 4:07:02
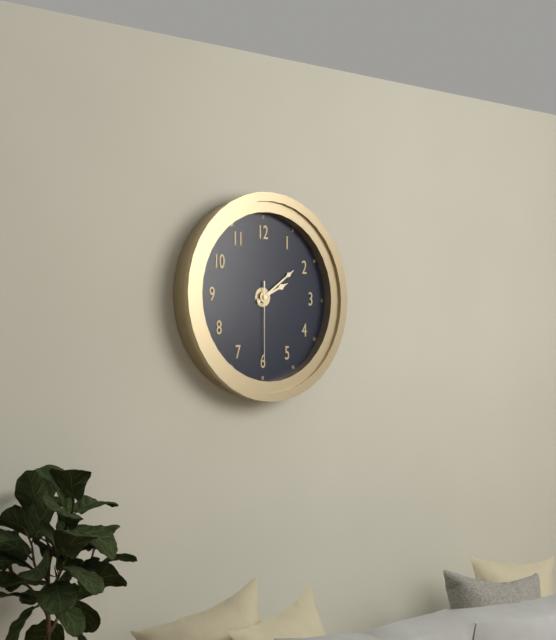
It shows 2:09:30
